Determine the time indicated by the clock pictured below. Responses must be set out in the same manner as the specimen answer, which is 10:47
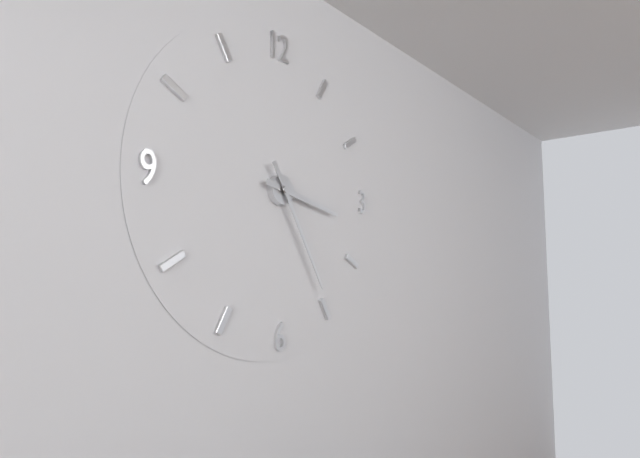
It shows 3:25
